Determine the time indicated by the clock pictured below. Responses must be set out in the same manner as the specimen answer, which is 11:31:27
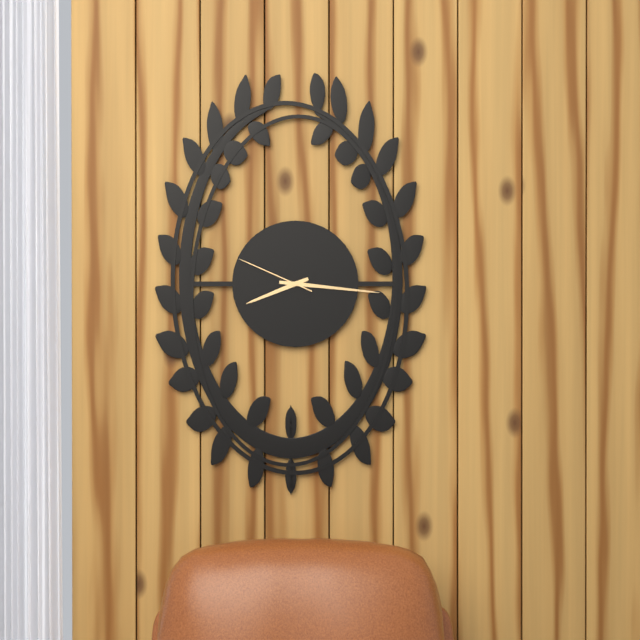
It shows 8:16:49
